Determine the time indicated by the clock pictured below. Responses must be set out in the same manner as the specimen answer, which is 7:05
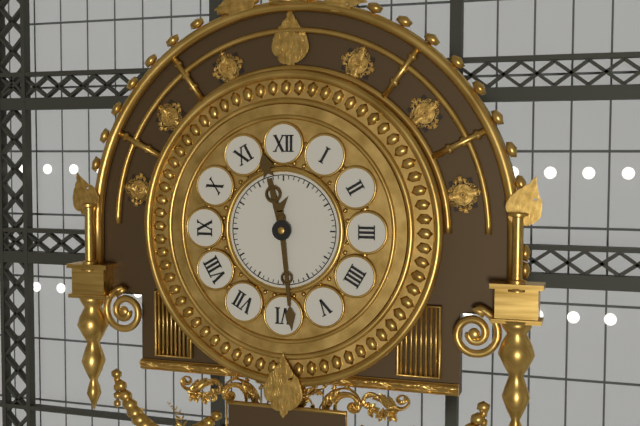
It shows 11:29
